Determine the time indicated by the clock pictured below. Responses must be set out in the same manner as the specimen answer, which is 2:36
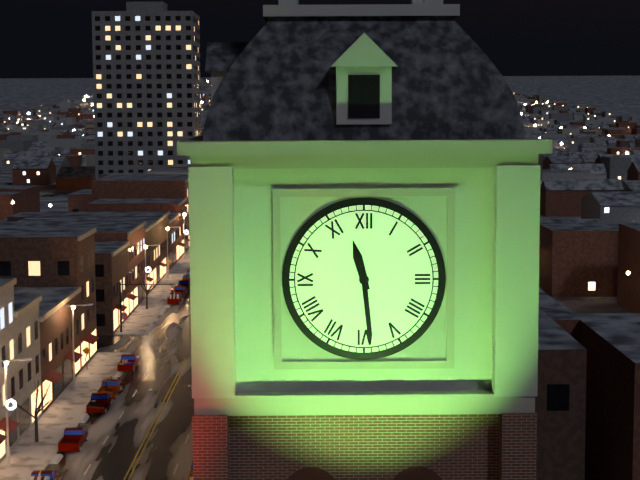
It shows 11:29
